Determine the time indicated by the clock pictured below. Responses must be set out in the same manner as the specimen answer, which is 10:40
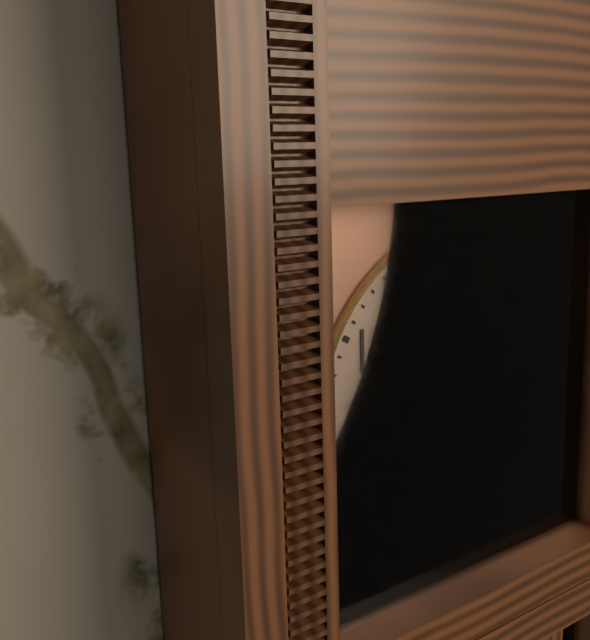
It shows 3:07
